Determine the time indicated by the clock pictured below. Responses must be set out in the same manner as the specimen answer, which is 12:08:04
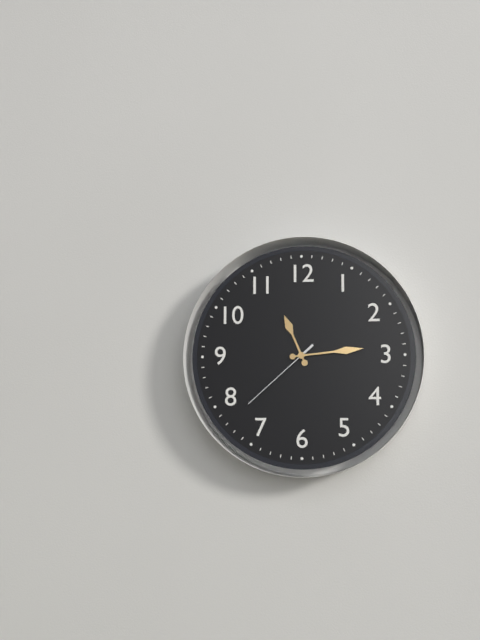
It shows 11:14:38
